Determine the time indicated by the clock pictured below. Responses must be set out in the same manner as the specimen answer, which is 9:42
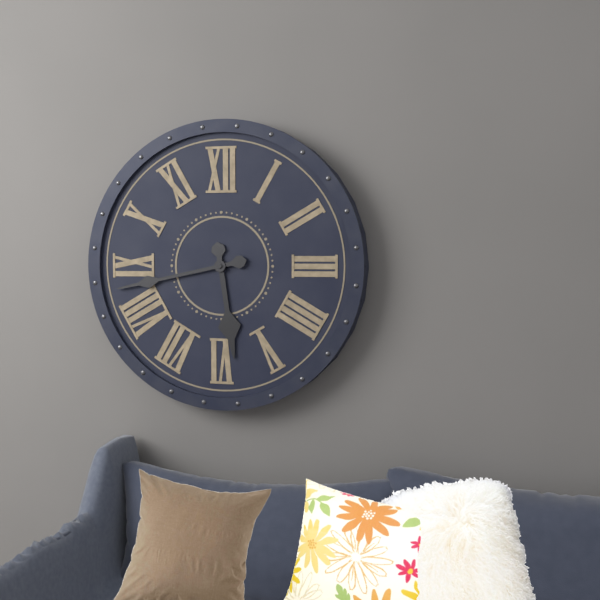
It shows 5:43
